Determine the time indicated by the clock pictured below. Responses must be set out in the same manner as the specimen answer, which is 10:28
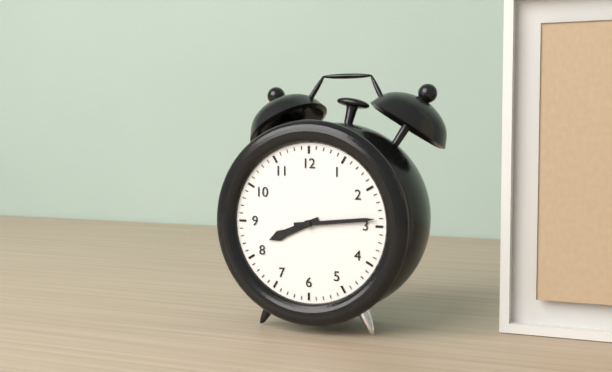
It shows 8:14
